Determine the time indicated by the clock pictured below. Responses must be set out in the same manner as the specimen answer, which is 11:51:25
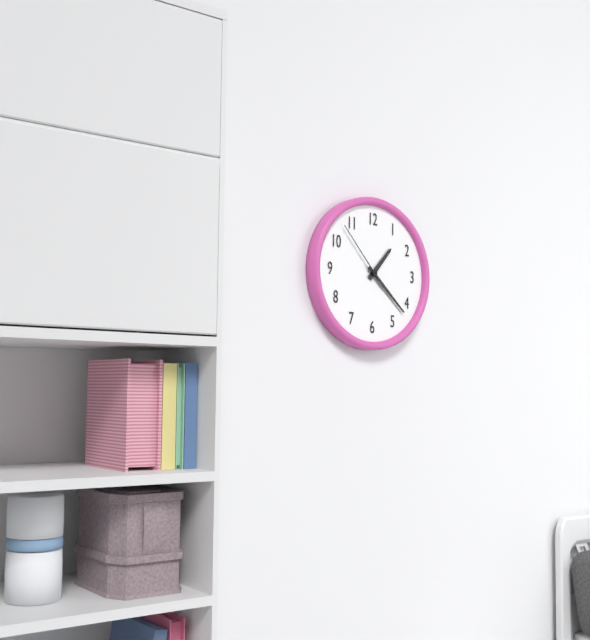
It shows 1:22:53
